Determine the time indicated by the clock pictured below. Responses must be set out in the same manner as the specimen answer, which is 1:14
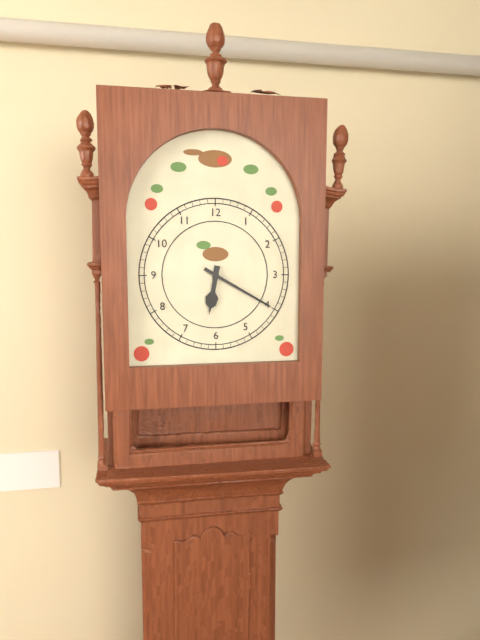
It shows 6:20
